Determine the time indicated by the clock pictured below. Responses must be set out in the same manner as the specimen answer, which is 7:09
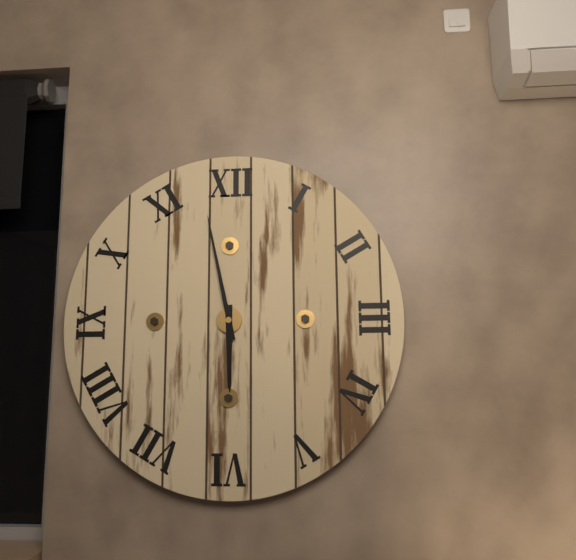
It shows 5:58
